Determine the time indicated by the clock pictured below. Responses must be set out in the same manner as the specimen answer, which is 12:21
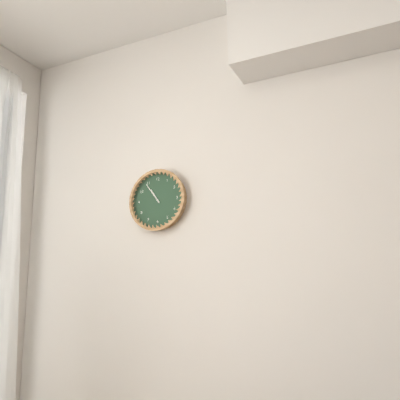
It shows 10:54
